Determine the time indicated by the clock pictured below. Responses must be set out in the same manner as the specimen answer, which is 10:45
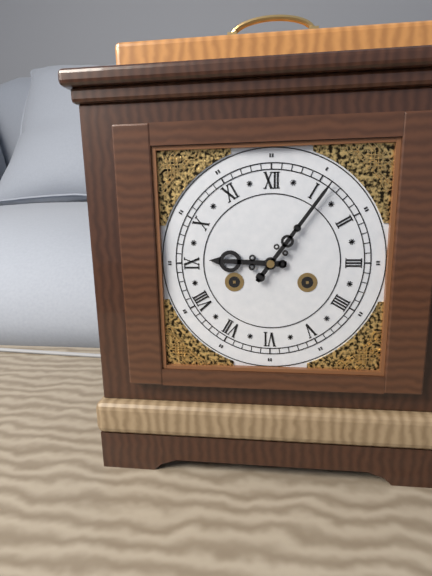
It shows 9:06
